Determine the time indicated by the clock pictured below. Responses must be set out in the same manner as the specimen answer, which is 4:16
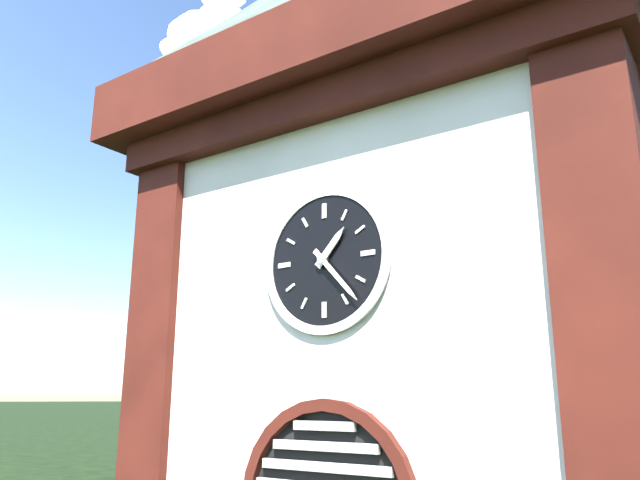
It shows 1:23
